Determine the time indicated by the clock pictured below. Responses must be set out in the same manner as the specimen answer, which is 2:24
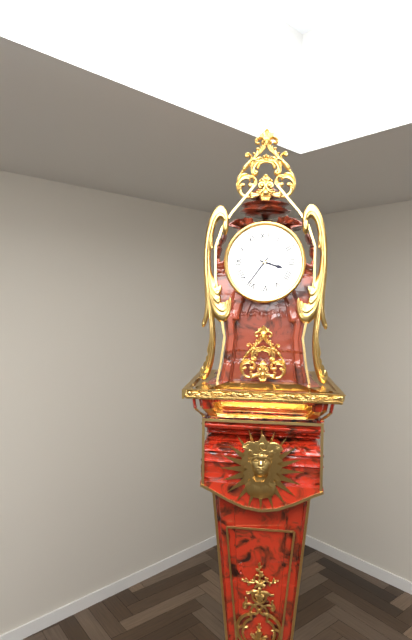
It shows 3:36
